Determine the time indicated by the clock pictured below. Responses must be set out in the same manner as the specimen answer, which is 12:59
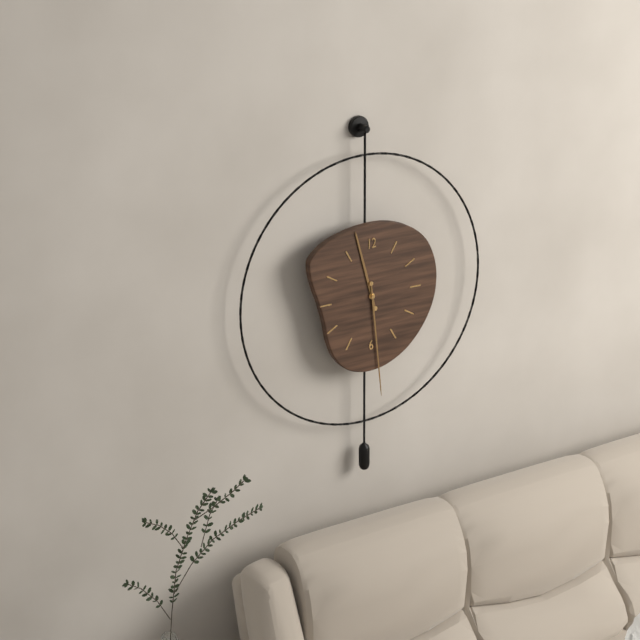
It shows 11:29
